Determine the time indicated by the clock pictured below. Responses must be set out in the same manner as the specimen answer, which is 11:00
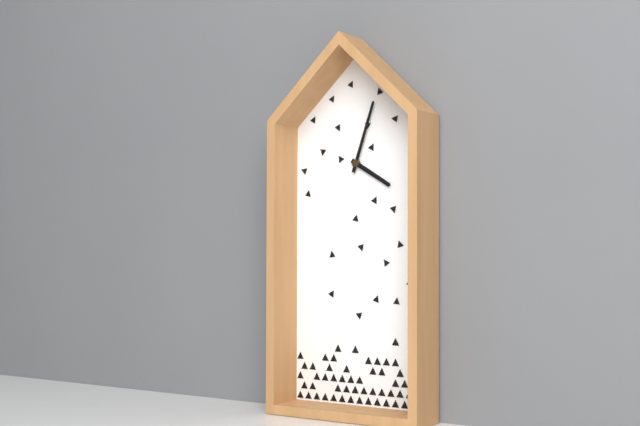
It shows 4:03
